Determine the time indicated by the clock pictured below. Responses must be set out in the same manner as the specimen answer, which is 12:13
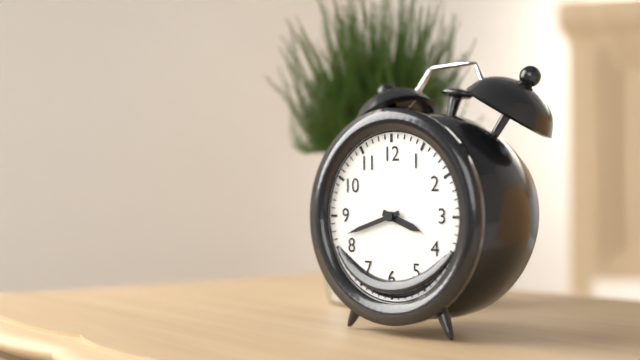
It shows 3:42
